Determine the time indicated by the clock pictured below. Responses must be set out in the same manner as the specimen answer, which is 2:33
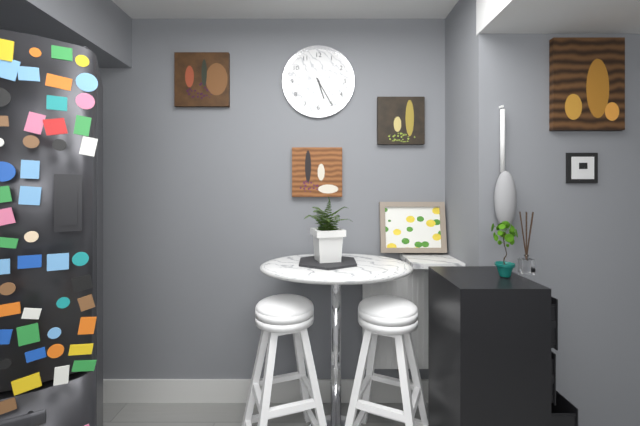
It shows 5:25
